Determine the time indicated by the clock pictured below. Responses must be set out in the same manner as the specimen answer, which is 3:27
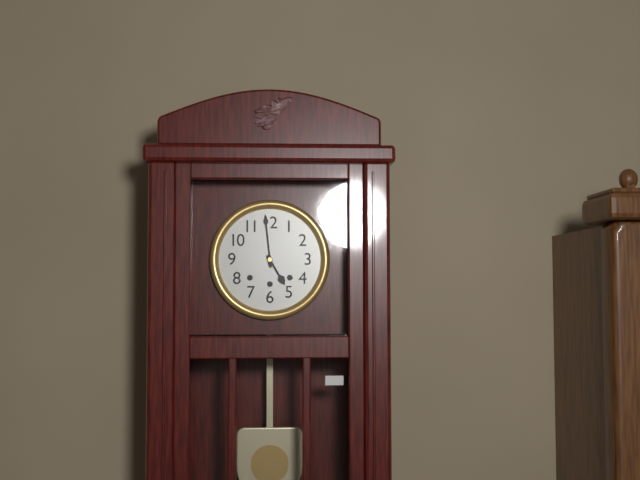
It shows 4:59
